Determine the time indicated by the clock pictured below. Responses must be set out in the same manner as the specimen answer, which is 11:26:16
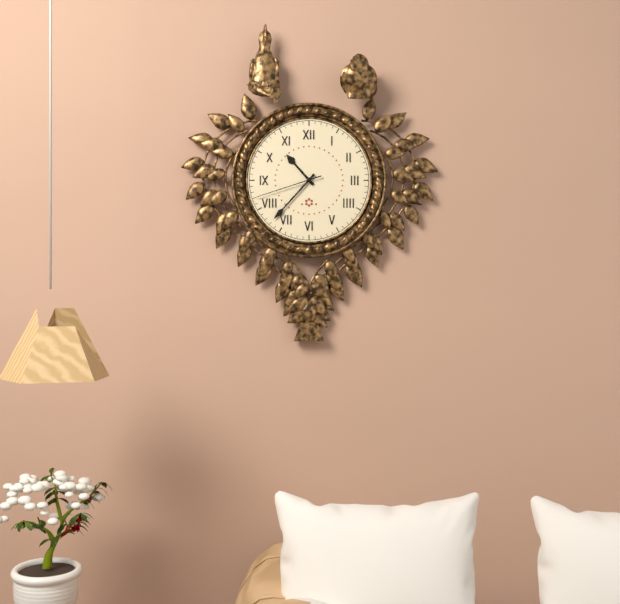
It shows 10:37:42
